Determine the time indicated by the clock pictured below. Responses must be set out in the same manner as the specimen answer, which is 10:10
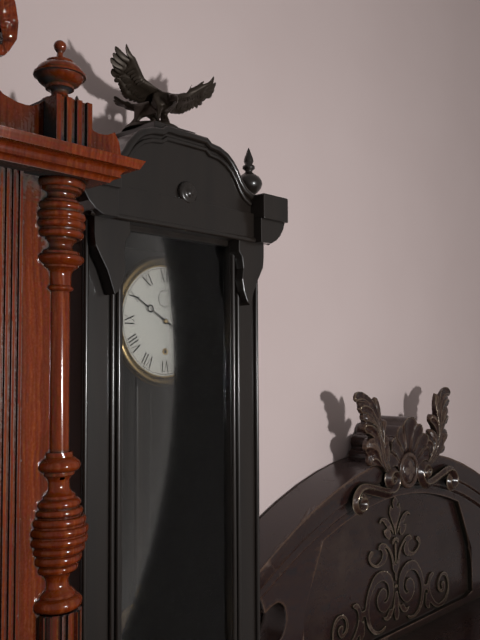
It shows 3:50
